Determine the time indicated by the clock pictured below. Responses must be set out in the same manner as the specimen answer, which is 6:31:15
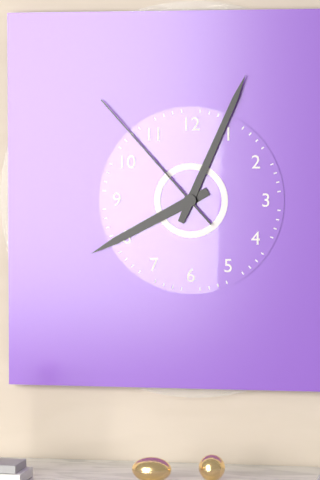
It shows 8:04:53
